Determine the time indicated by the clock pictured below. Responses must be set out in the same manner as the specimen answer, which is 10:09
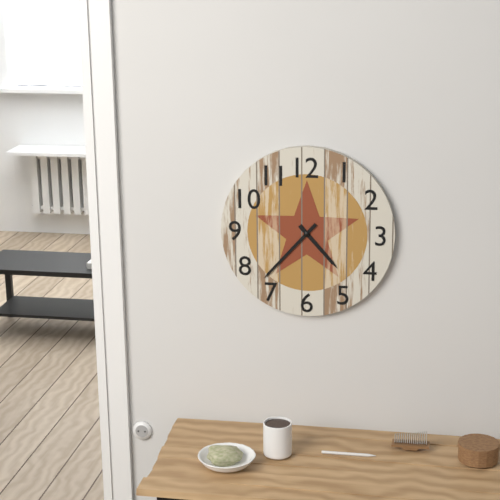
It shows 4:37
